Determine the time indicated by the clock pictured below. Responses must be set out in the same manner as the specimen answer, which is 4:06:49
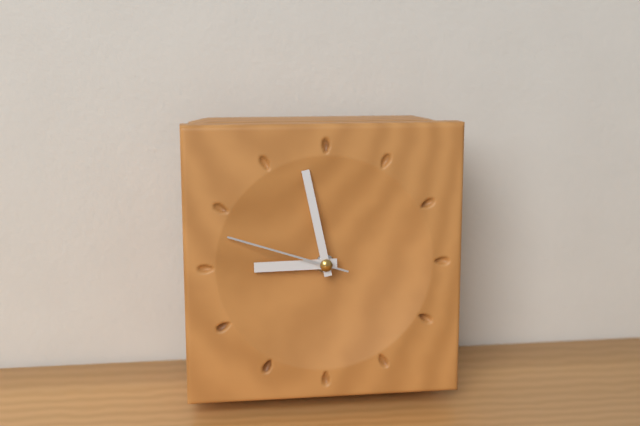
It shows 8:58:48
